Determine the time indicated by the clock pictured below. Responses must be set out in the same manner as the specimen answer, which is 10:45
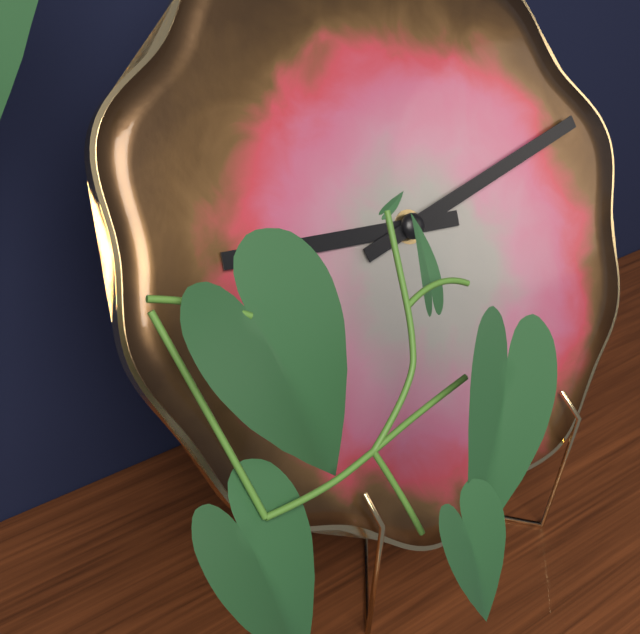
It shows 9:13
